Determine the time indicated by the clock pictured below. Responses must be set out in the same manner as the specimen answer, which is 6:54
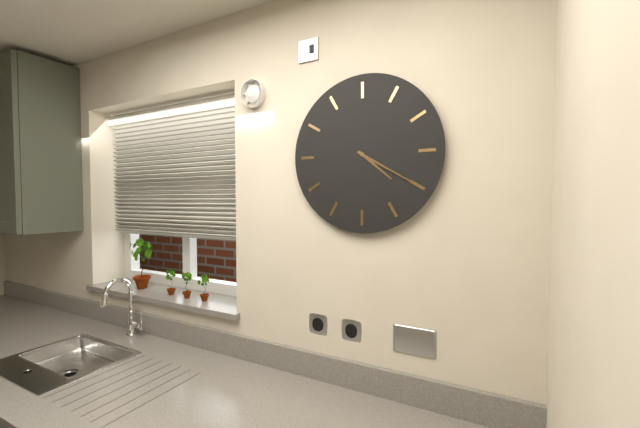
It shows 4:20
